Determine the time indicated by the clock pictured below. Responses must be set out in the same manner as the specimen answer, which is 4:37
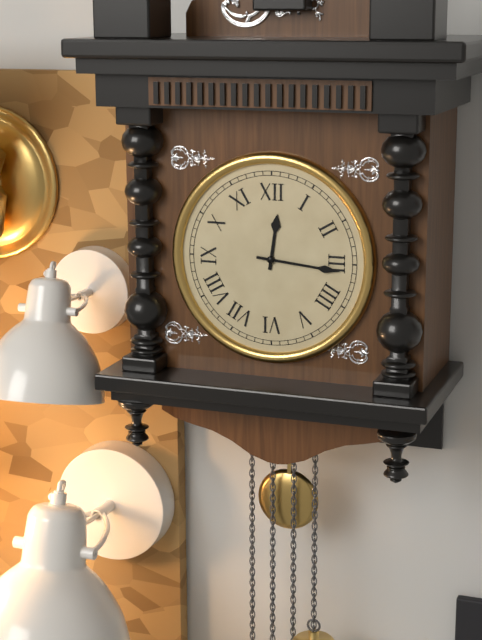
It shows 12:16
